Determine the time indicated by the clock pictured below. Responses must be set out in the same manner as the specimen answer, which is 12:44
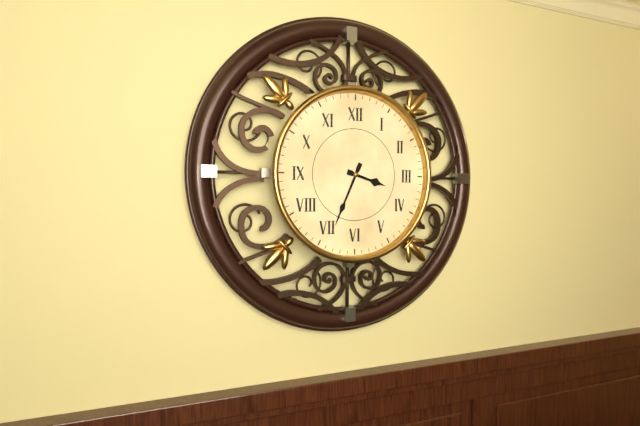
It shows 3:34
